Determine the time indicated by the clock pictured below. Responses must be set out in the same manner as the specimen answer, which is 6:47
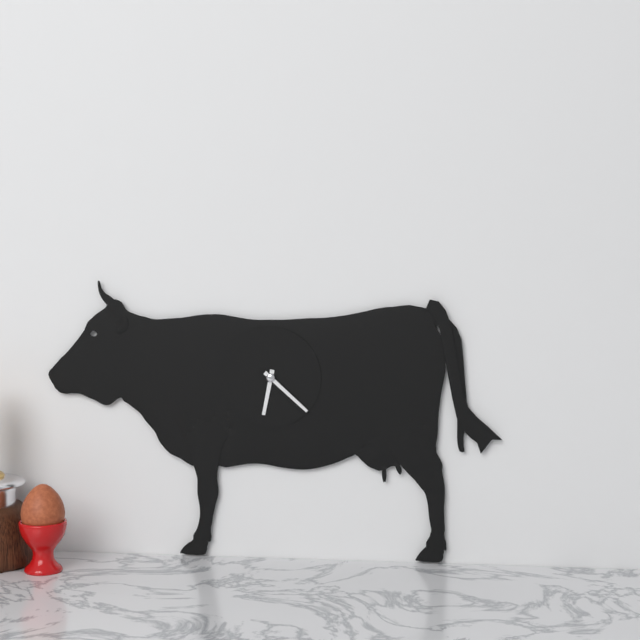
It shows 6:22
